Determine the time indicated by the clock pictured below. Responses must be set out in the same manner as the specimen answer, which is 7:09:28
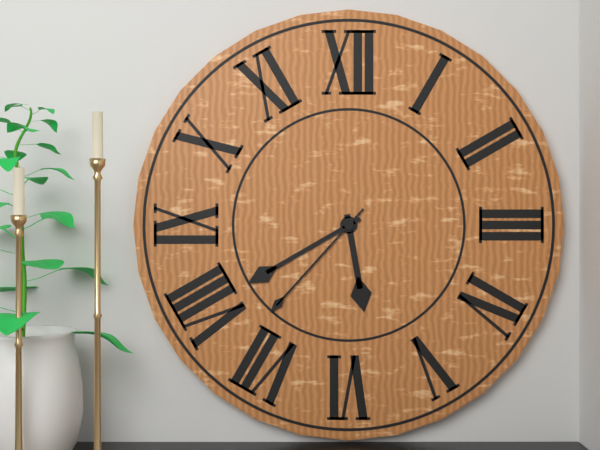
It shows 5:40:37
